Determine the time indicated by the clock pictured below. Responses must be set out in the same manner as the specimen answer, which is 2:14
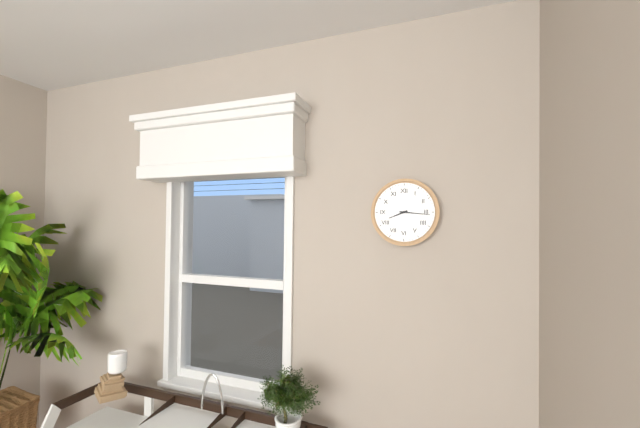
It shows 8:16
